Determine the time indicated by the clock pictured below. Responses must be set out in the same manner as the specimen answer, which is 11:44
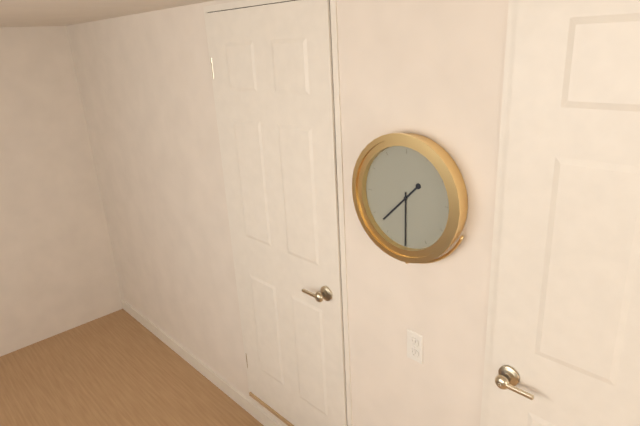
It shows 7:30
